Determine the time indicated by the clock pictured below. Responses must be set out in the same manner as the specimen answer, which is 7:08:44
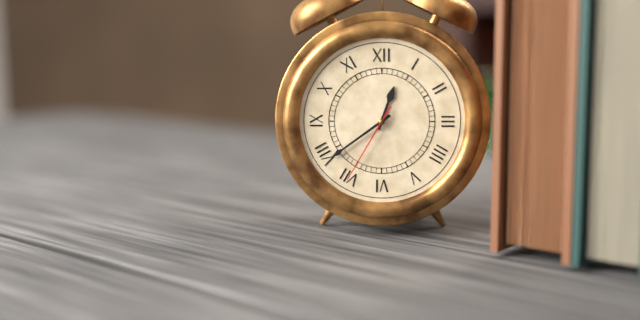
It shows 12:39:35
